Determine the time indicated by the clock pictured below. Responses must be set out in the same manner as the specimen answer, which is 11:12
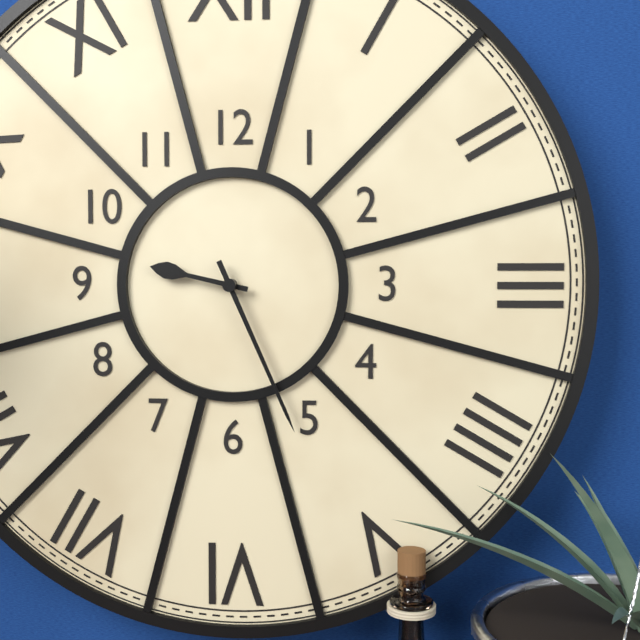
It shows 9:26
